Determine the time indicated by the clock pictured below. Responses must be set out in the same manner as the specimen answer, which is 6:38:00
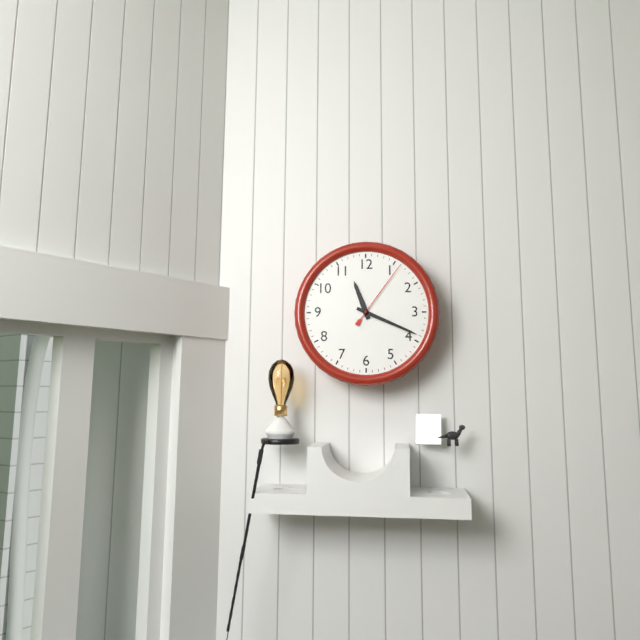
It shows 11:19:06
